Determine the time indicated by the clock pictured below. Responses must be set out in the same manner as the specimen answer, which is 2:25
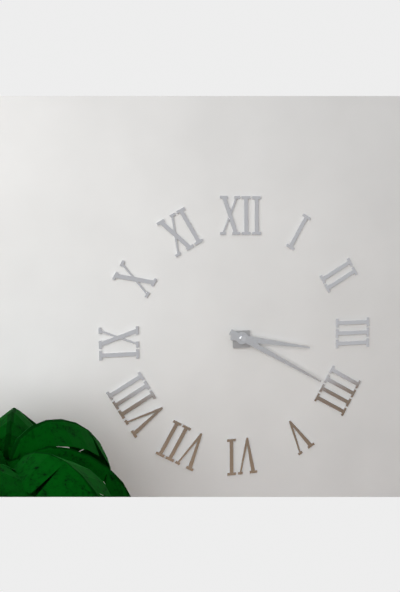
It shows 3:20
